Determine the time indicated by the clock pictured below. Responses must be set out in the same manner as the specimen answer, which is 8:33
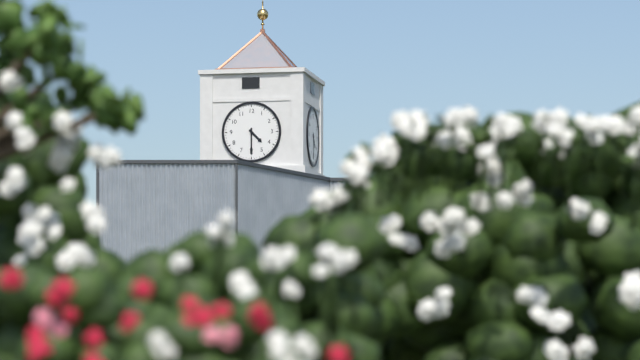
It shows 4:30
